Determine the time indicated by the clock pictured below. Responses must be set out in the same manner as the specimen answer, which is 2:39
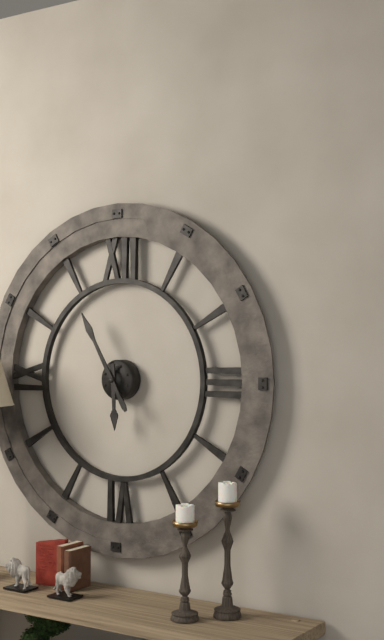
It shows 5:55
